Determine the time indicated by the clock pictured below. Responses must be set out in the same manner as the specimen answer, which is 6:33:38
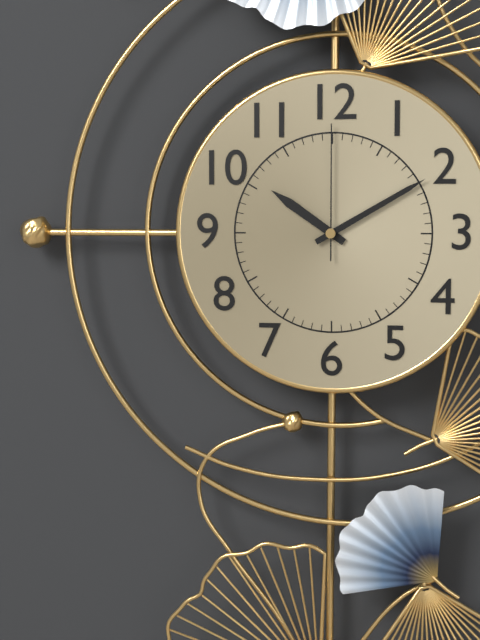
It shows 10:10:00
